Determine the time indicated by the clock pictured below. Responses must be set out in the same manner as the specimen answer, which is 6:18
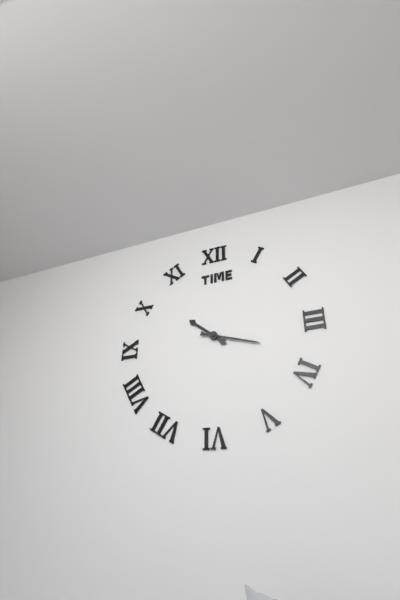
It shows 10:18
